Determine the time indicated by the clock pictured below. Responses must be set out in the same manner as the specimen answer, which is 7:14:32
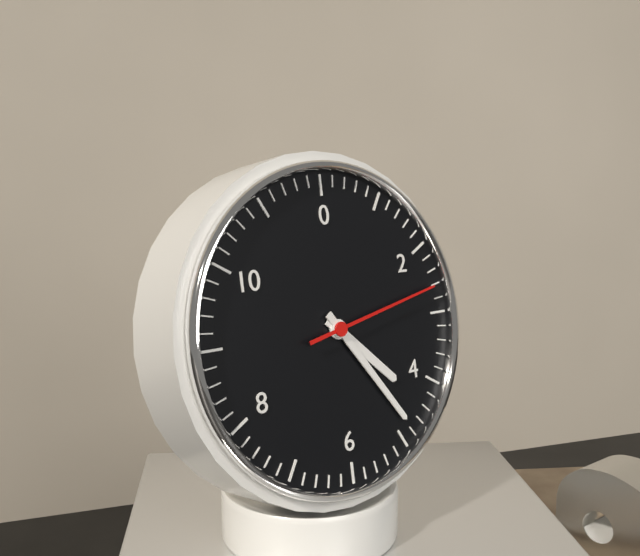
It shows 4:24:13
